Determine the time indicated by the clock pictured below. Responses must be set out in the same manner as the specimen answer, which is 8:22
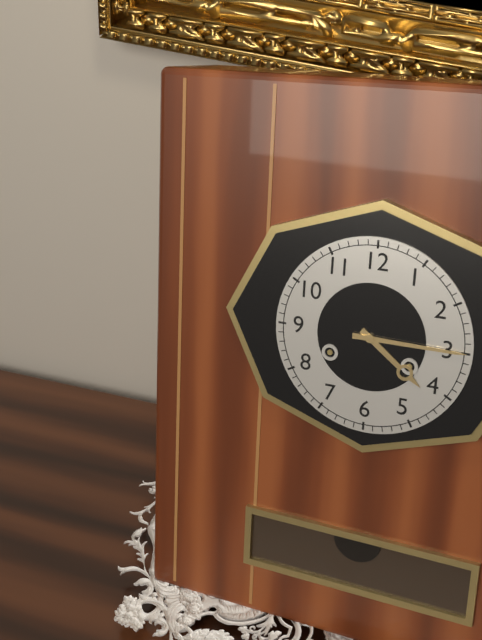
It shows 4:15
